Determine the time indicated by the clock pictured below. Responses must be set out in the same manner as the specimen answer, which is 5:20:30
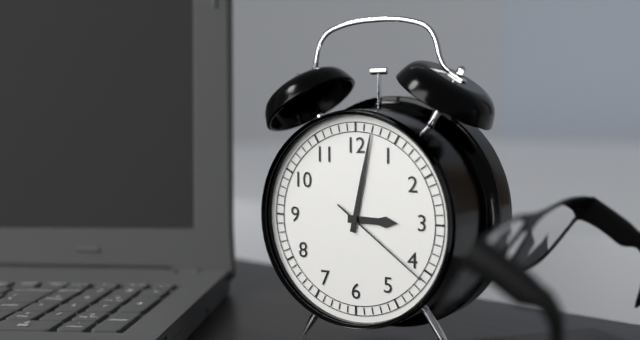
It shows 3:02:21
